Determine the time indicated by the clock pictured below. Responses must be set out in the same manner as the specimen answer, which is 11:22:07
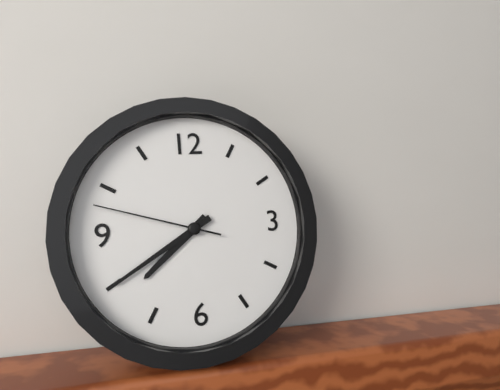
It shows 7:40:48
